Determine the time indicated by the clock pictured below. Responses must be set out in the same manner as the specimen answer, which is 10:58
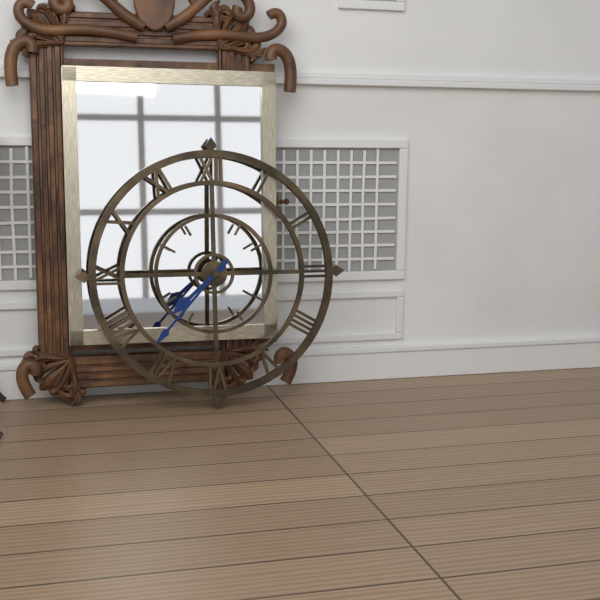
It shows 7:37
